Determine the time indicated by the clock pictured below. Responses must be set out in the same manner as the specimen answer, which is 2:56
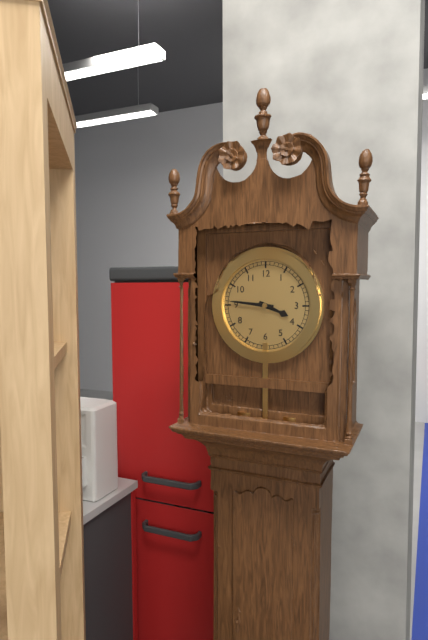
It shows 3:46
